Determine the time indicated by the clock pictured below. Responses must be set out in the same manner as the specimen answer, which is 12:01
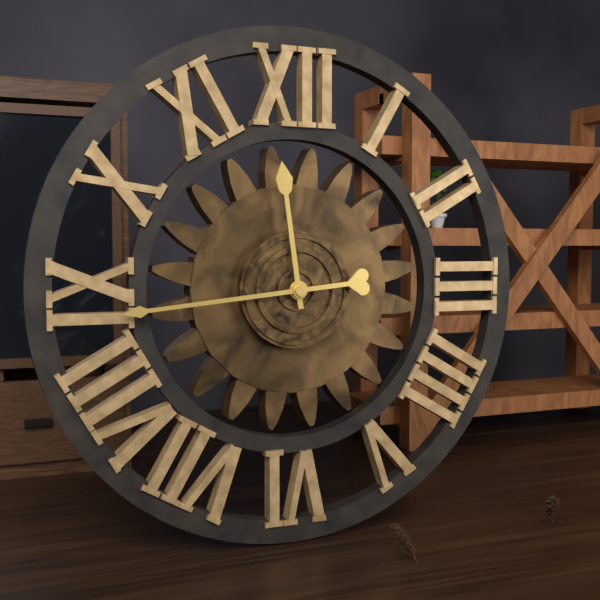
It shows 11:44
